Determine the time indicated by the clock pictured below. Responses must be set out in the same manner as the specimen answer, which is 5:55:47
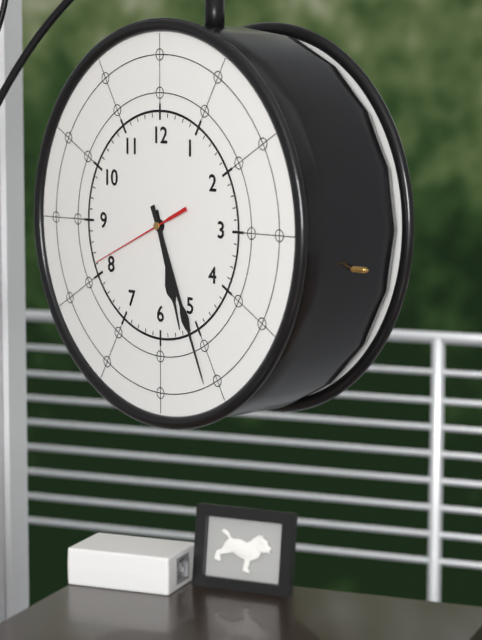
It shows 5:26:41
